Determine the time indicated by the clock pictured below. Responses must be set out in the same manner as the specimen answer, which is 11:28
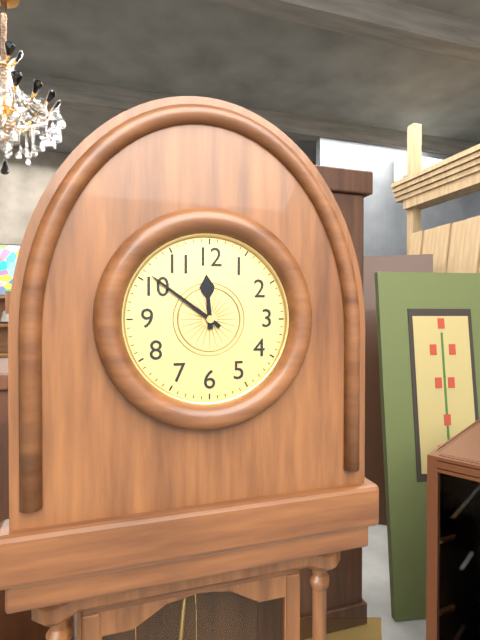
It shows 11:51
